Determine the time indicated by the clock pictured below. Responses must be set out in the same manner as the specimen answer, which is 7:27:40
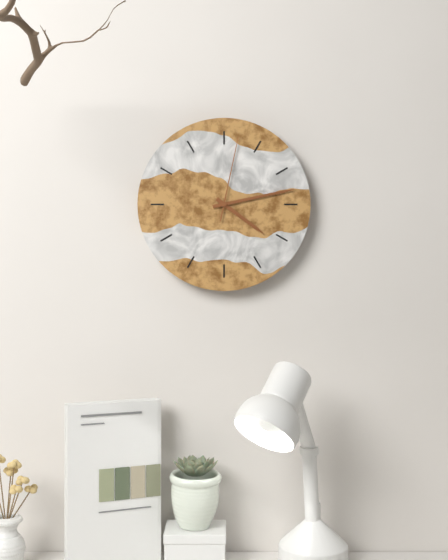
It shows 4:13:02
